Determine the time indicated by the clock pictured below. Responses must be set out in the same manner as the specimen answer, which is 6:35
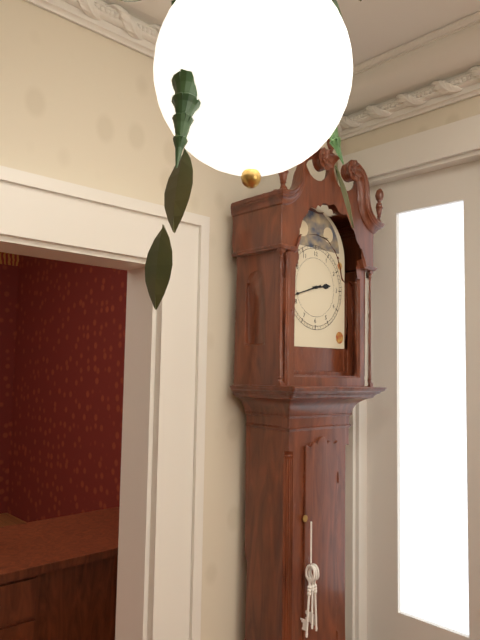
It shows 2:42
